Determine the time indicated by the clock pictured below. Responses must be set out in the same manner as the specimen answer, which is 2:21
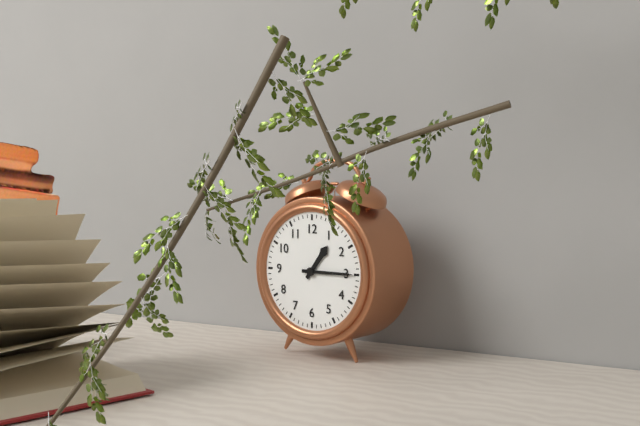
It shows 1:15
